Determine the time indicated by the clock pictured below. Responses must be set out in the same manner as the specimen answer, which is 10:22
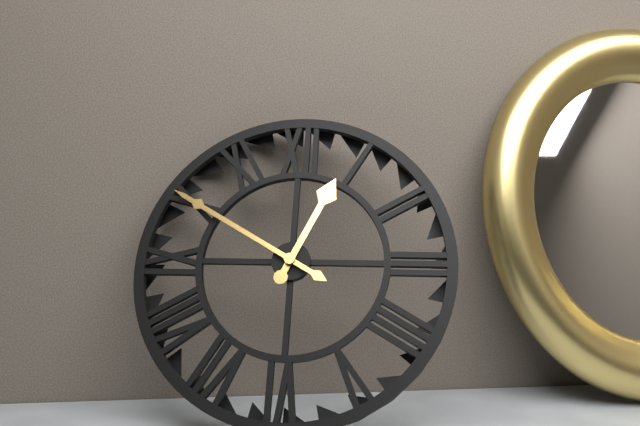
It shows 12:50
